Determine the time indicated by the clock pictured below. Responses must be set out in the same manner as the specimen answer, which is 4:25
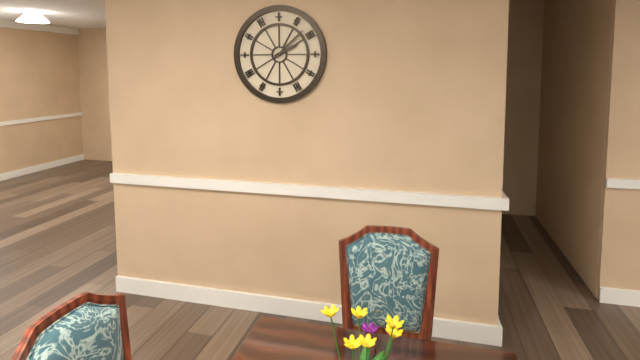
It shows 2:08
